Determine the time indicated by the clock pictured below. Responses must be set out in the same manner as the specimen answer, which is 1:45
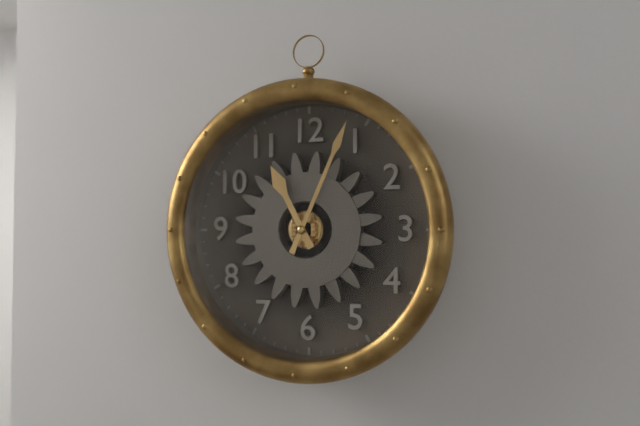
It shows 11:04
